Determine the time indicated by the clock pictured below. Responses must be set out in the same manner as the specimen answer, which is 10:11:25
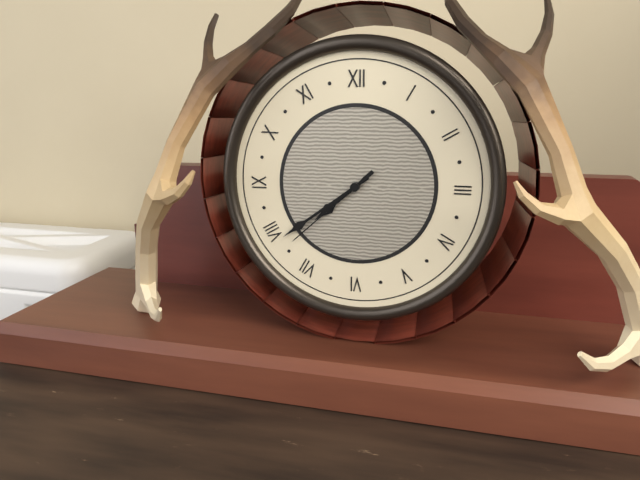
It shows 7:39:38
